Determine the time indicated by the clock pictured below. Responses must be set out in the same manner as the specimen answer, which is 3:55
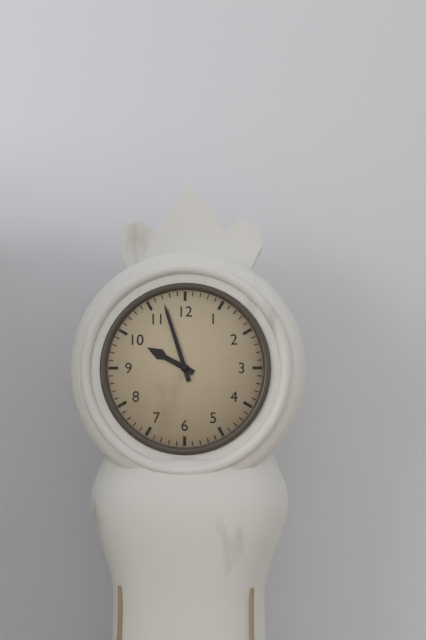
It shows 9:57
